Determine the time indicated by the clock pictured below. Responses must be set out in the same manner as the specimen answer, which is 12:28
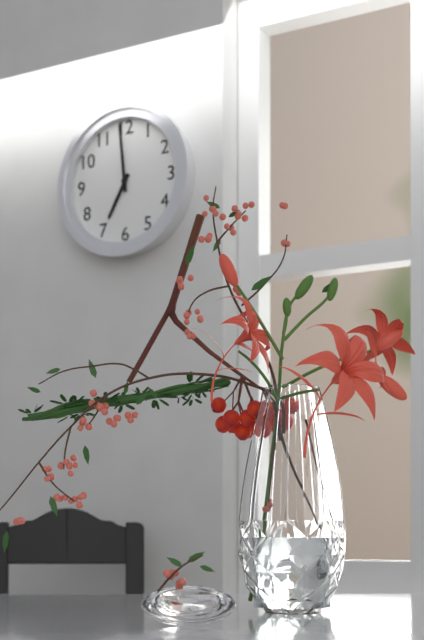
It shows 6:59
